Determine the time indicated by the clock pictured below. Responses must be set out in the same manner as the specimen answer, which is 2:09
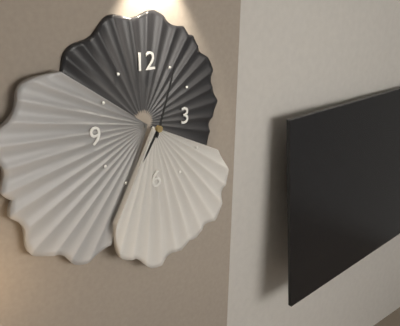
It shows 7:03
